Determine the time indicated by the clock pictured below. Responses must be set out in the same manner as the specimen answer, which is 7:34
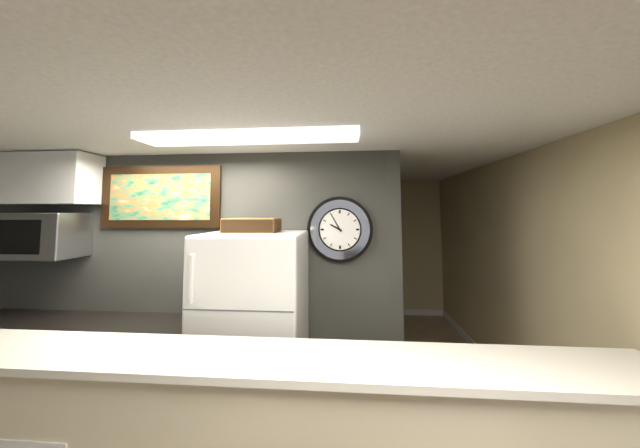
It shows 9:55
